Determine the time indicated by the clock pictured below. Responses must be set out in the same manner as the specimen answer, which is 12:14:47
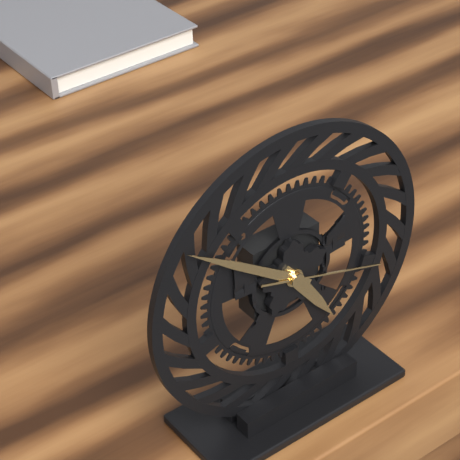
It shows 4:51:18
